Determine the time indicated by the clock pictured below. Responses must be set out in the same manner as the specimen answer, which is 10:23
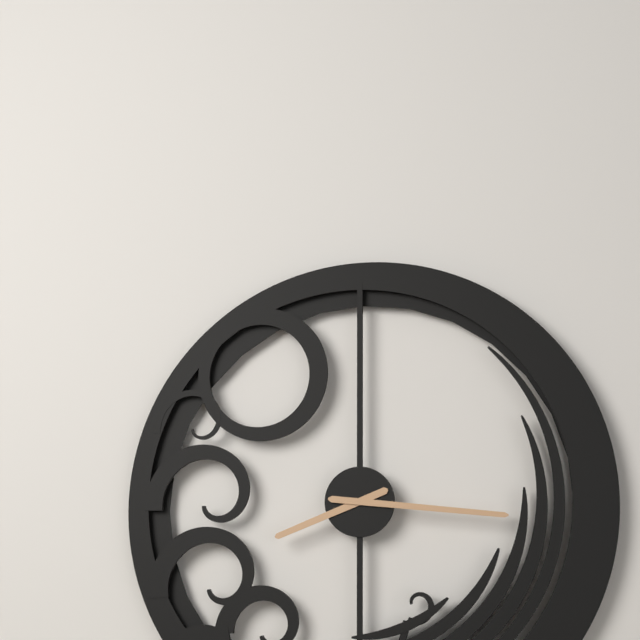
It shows 8:16
